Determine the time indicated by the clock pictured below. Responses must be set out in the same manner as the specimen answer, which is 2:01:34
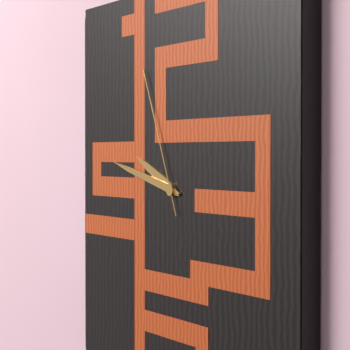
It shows 9:47:56
